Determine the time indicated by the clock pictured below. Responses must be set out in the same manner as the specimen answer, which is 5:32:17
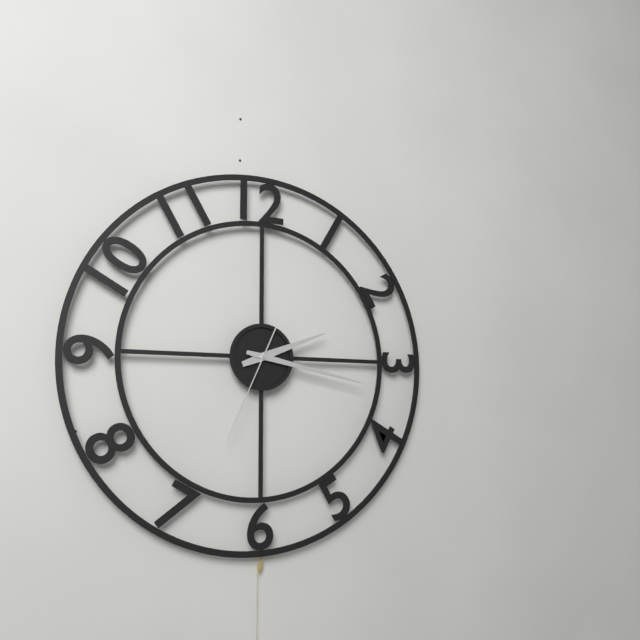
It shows 2:17:34
